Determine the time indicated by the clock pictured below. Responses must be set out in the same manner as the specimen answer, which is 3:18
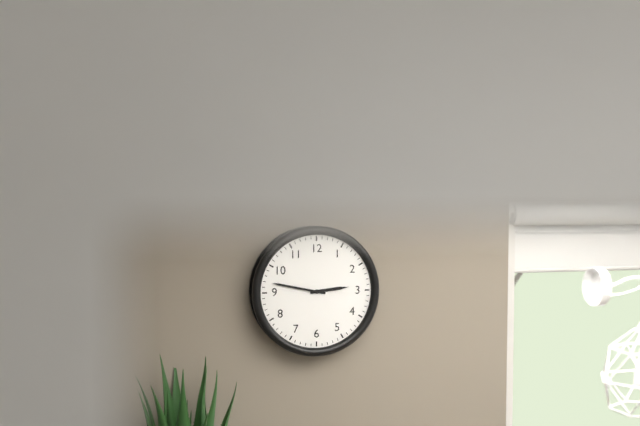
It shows 2:47
